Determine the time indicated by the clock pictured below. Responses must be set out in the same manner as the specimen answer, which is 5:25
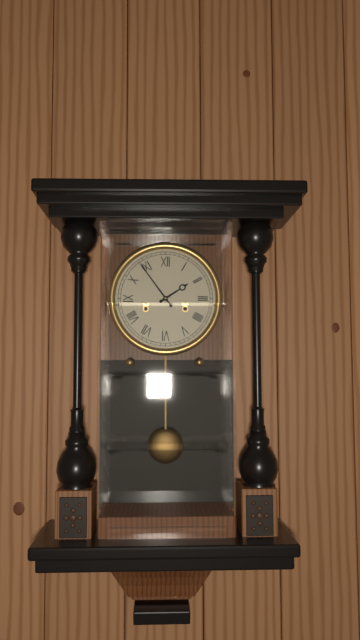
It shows 1:54
